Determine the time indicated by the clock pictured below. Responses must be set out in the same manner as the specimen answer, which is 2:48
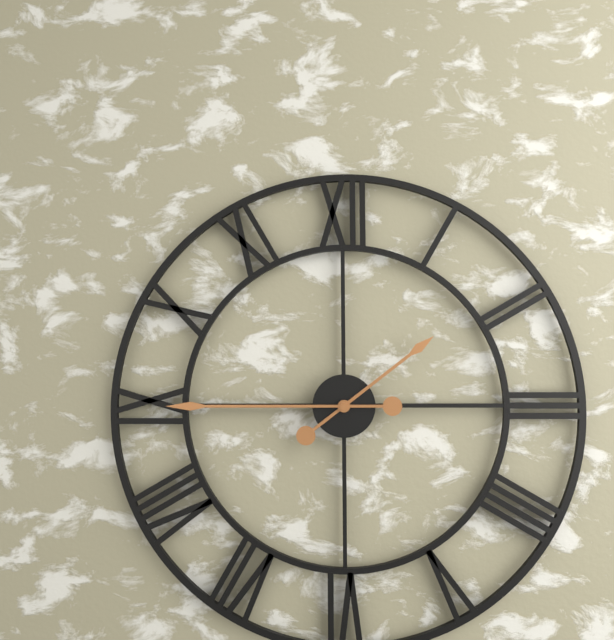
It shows 1:45
